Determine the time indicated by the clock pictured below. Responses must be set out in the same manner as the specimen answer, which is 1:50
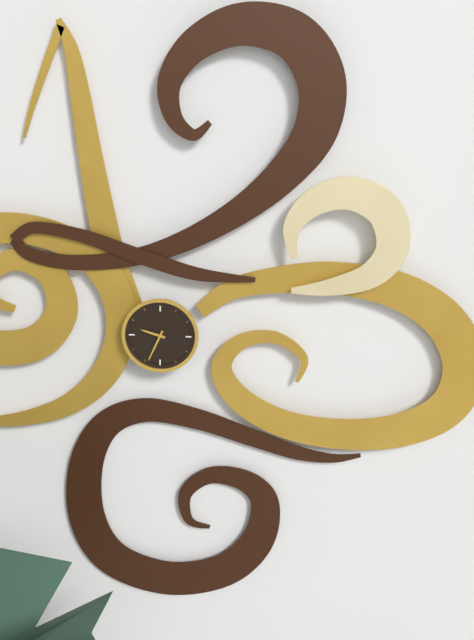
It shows 9:34
